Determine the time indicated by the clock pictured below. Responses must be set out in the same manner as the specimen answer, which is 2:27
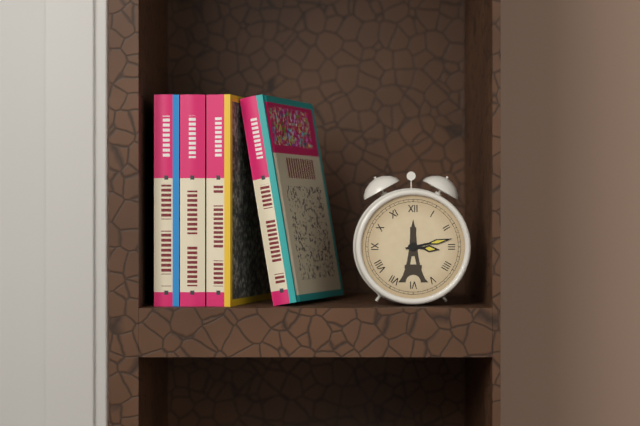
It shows 3:13
